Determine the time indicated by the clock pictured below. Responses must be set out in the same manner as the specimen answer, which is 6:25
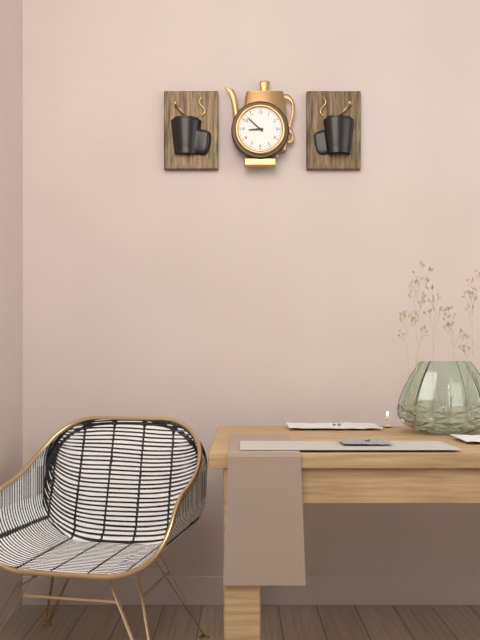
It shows 8:52
